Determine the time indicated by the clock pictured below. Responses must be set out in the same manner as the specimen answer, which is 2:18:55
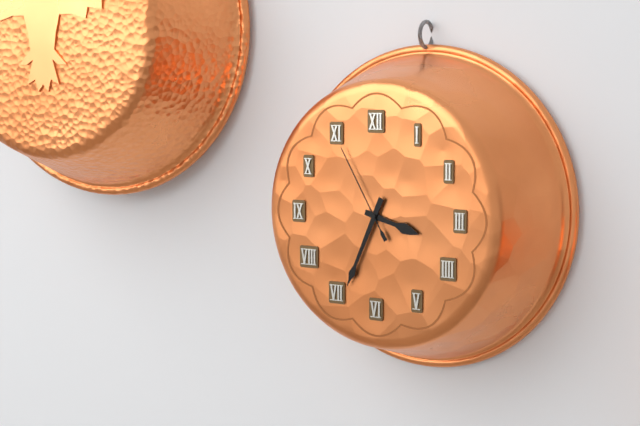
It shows 3:34:55
